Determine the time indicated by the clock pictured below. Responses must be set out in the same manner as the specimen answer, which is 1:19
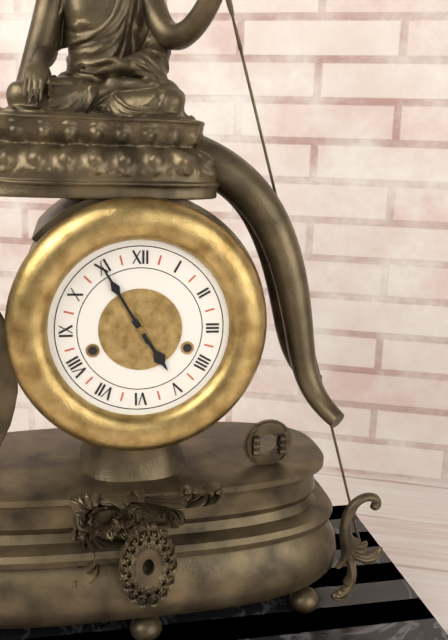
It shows 4:55
